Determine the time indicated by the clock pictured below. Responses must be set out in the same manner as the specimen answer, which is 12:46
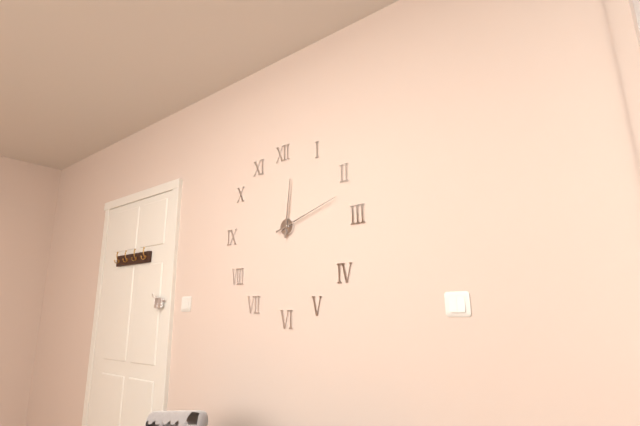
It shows 12:12
